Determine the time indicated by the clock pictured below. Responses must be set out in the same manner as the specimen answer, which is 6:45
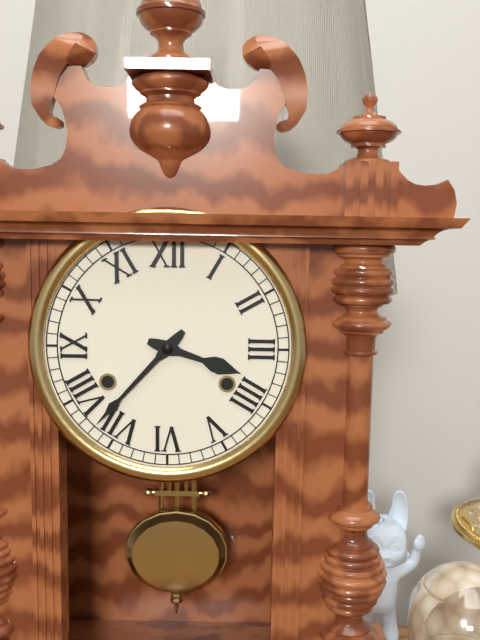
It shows 3:37
